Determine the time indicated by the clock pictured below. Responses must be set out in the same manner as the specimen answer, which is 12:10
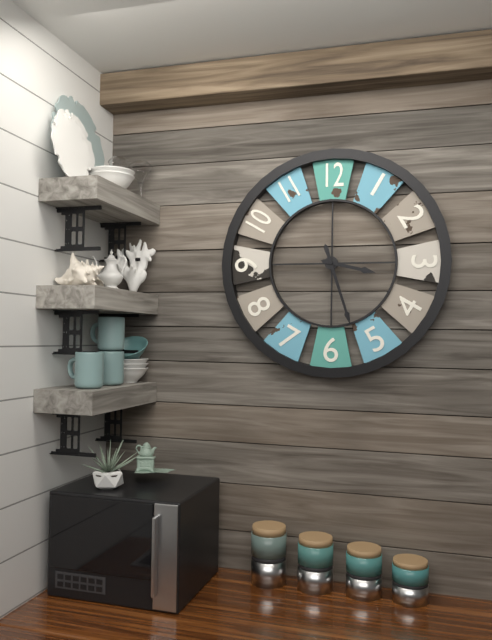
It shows 3:27
